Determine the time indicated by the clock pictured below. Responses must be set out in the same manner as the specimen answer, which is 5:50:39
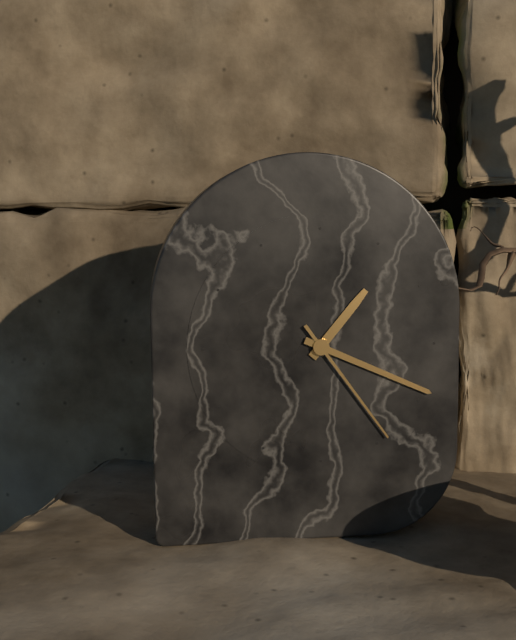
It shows 1:19:24
